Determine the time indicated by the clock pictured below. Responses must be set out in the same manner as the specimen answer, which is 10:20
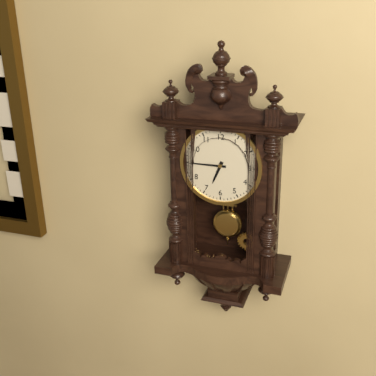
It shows 6:45
